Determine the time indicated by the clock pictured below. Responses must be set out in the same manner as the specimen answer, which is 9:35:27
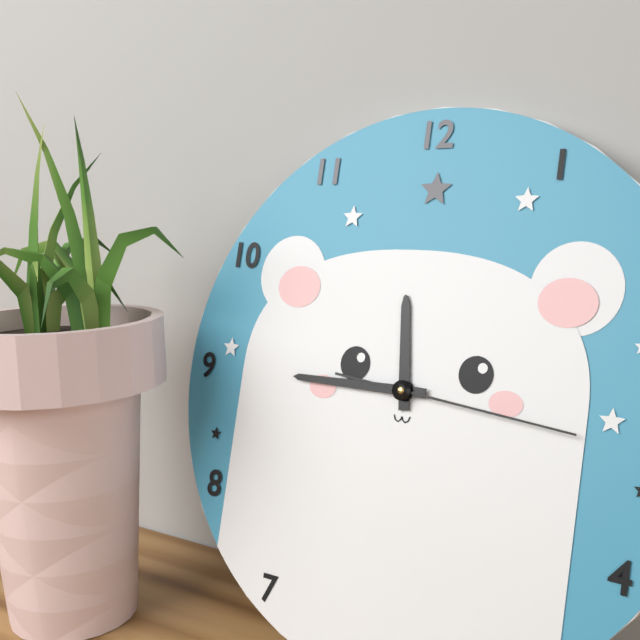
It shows 11:45:16
